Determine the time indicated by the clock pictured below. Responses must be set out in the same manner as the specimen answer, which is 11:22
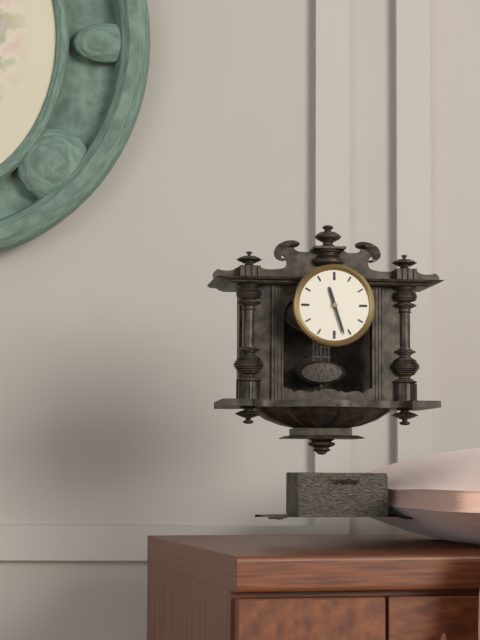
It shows 11:27
